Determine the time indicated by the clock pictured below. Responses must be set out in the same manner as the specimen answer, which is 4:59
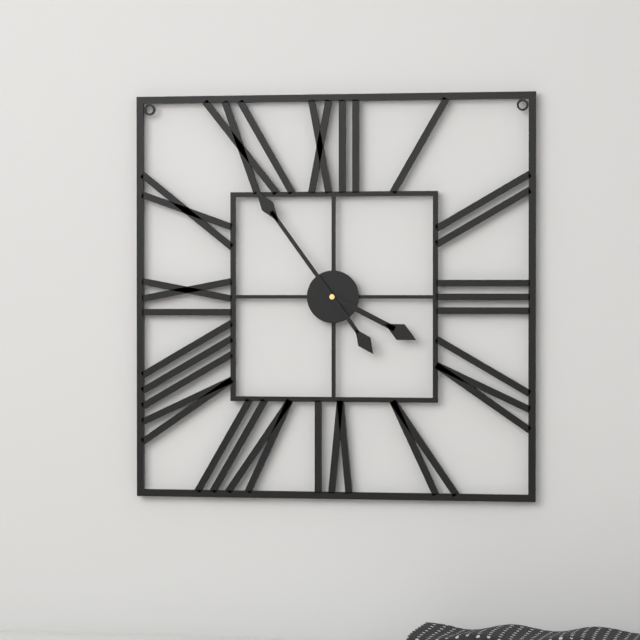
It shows 3:54
